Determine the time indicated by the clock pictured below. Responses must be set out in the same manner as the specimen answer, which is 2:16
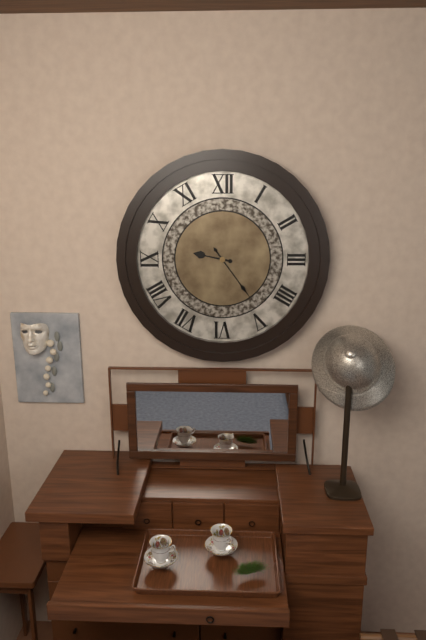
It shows 9:24
